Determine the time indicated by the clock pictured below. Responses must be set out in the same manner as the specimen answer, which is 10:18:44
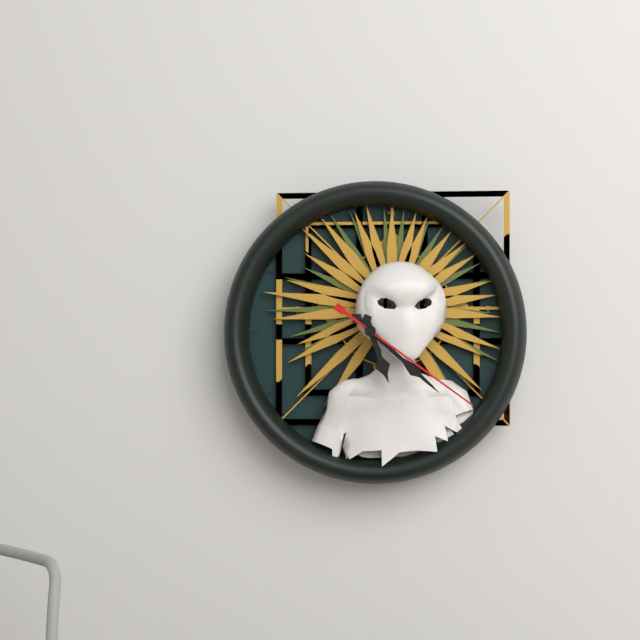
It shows 5:22:21
